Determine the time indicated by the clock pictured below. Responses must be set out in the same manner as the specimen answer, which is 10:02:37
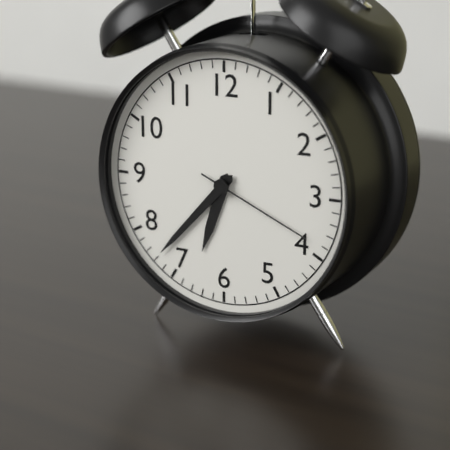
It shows 6:37:19
